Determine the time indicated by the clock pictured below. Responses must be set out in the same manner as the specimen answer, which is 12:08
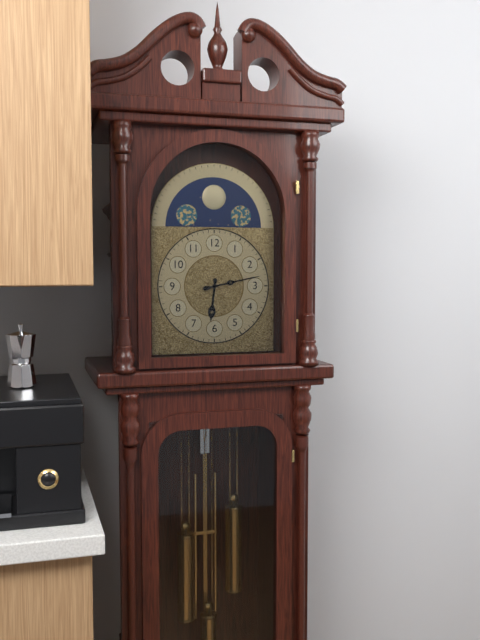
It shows 6:13
